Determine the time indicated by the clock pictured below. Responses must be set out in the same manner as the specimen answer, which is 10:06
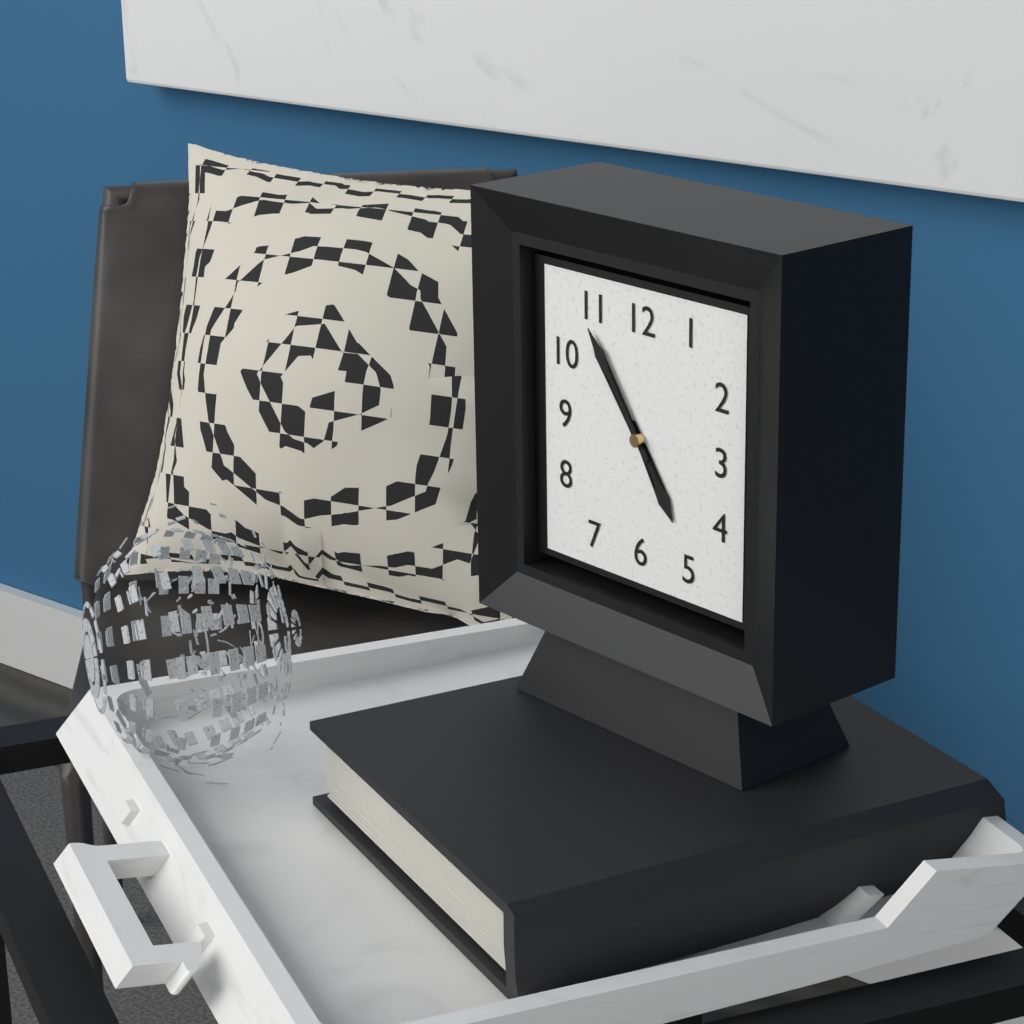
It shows 4:54
